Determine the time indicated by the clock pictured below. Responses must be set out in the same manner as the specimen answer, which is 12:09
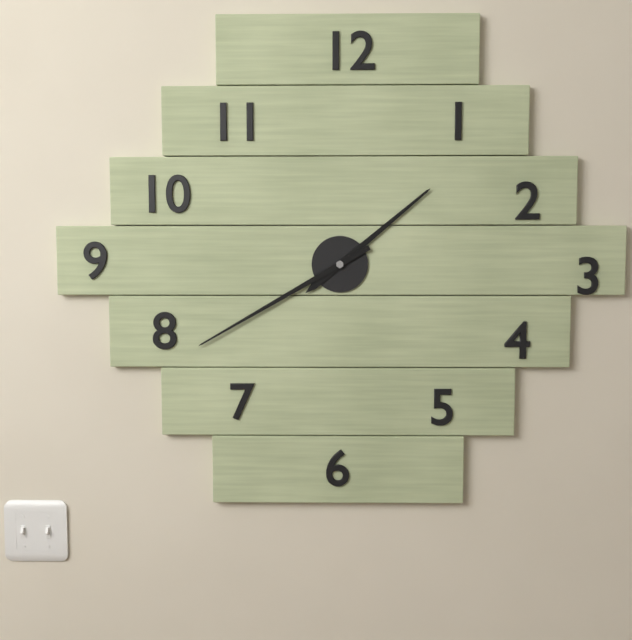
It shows 1:40
